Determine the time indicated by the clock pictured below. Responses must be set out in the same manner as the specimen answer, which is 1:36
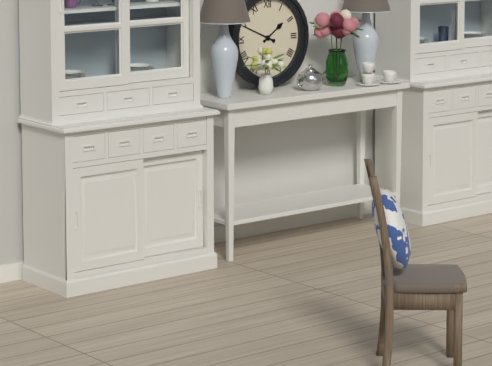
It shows 1:49
